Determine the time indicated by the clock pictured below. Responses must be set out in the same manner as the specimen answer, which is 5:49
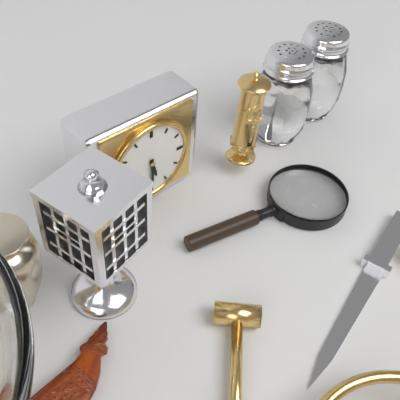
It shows 5:30
